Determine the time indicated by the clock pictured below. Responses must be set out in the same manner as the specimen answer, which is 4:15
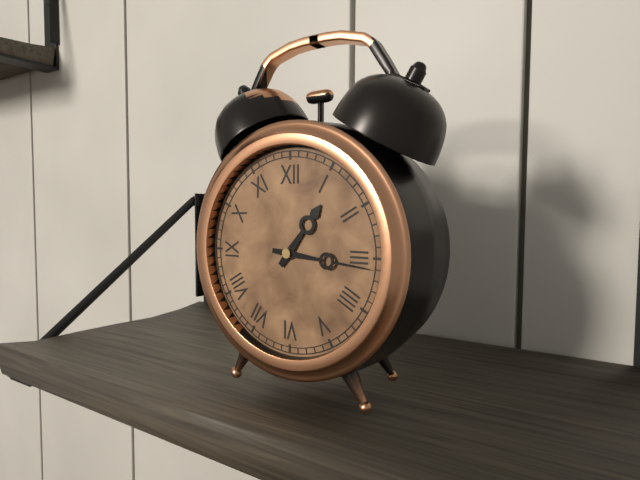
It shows 1:16
